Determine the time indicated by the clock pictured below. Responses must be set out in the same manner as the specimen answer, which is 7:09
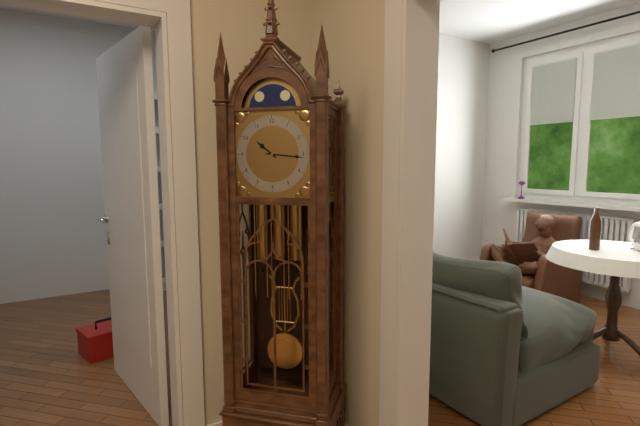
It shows 10:16
